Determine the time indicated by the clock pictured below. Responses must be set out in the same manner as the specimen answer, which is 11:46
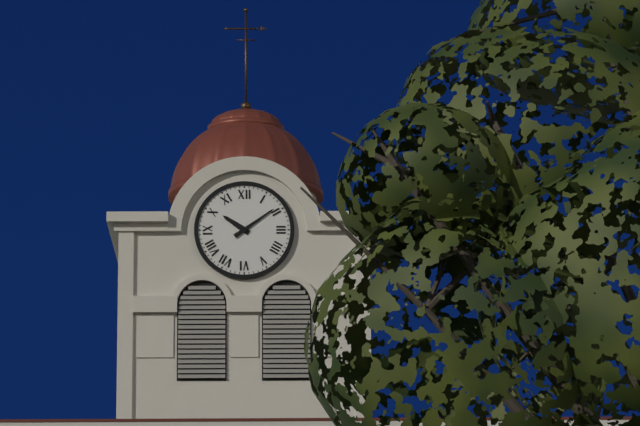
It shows 10:09
